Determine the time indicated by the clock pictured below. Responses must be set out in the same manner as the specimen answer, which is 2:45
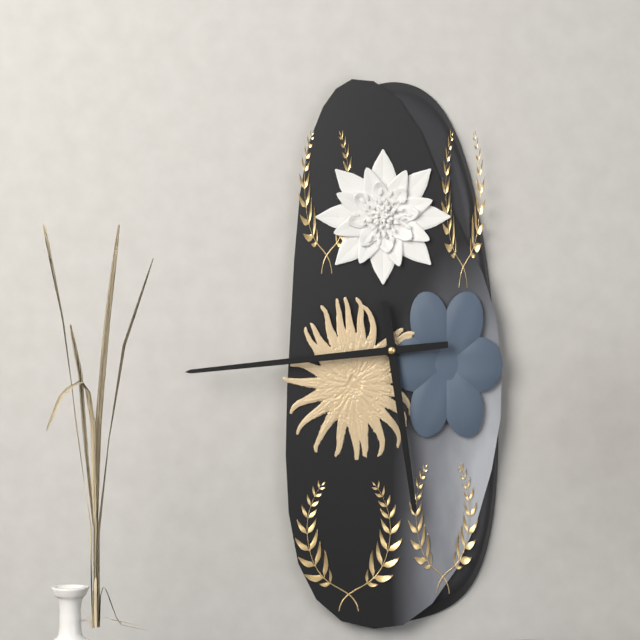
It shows 5:44
